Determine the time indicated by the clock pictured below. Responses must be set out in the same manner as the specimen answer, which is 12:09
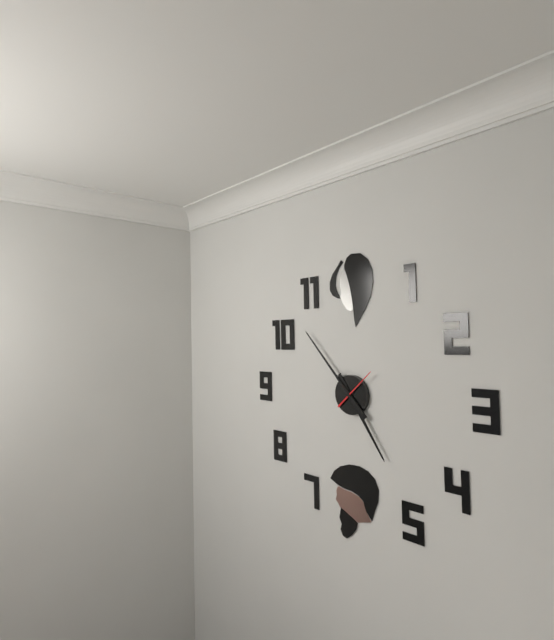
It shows 4:53
